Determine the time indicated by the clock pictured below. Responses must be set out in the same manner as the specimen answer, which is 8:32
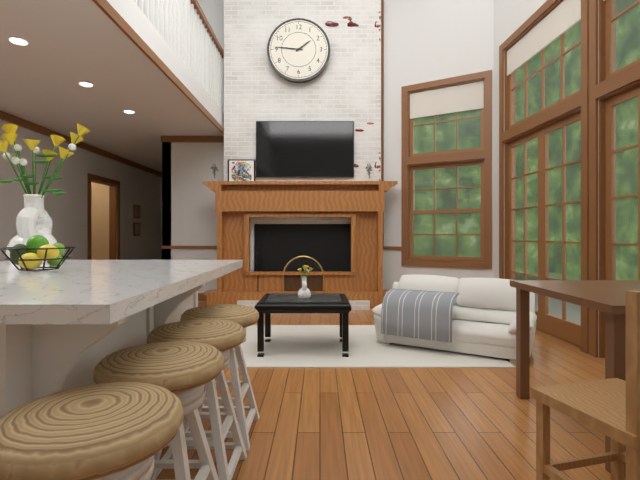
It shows 1:46
